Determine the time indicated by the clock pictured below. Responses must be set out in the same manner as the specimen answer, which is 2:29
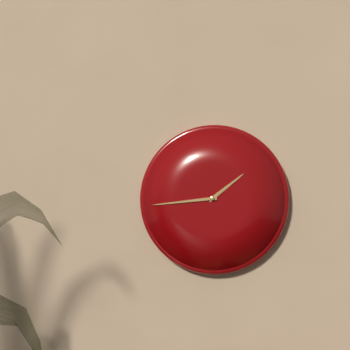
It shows 1:44
